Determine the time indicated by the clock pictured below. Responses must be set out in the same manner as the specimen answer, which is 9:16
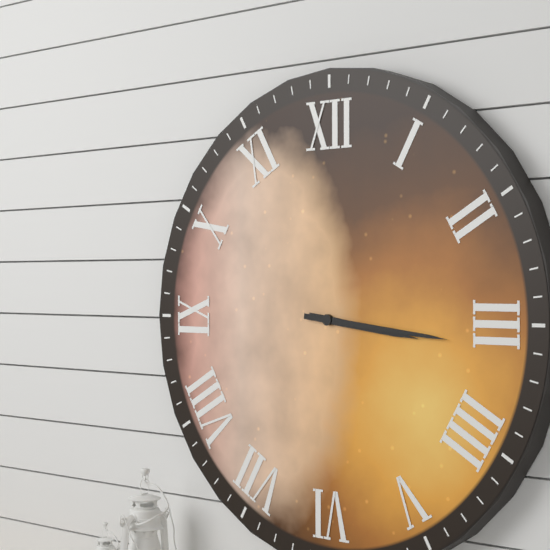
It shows 3:16
